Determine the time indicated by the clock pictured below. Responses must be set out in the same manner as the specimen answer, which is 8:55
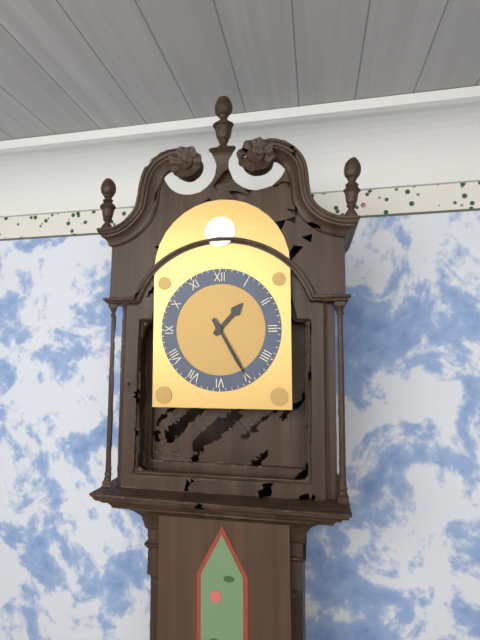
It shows 1:25
